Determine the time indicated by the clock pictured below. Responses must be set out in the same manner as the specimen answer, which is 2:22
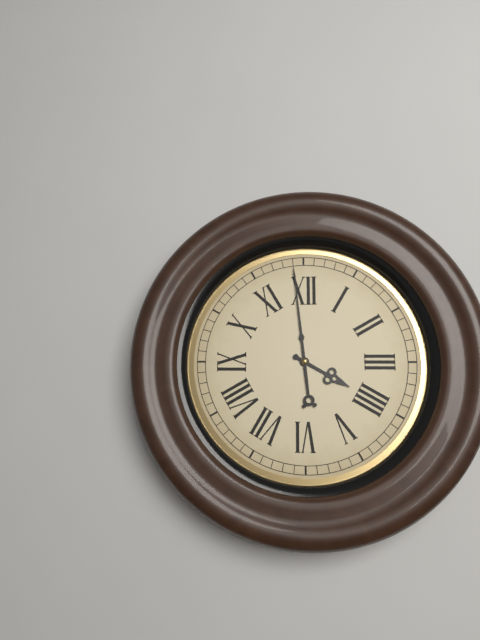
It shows 3:59
